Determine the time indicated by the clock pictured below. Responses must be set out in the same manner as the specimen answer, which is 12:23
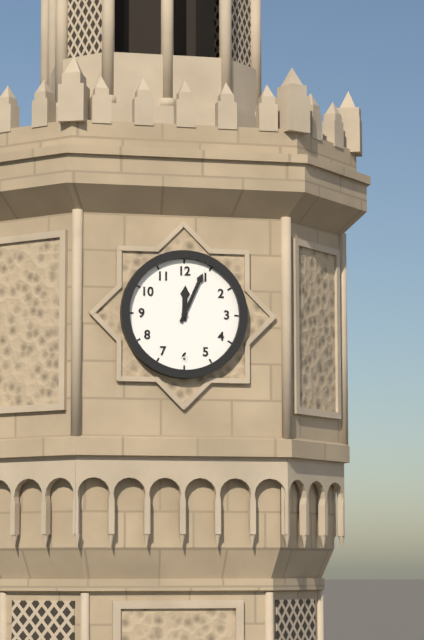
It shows 12:04
